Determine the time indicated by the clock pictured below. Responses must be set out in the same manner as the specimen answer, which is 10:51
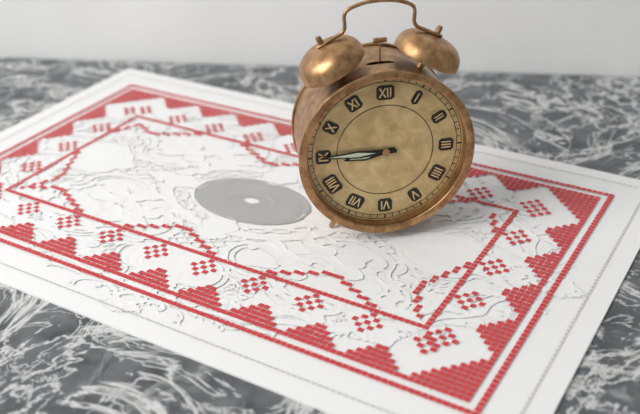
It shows 8:45
